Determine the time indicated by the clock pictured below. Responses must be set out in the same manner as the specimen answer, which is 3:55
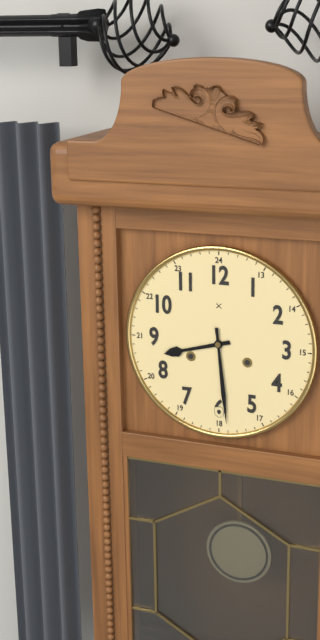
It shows 8:29
